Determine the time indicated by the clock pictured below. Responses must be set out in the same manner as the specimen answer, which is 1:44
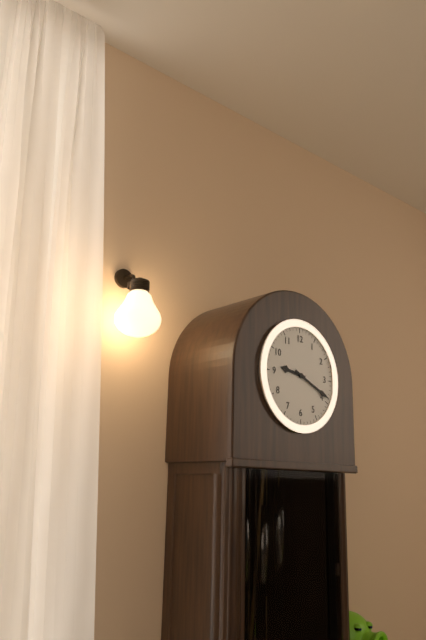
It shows 9:19
